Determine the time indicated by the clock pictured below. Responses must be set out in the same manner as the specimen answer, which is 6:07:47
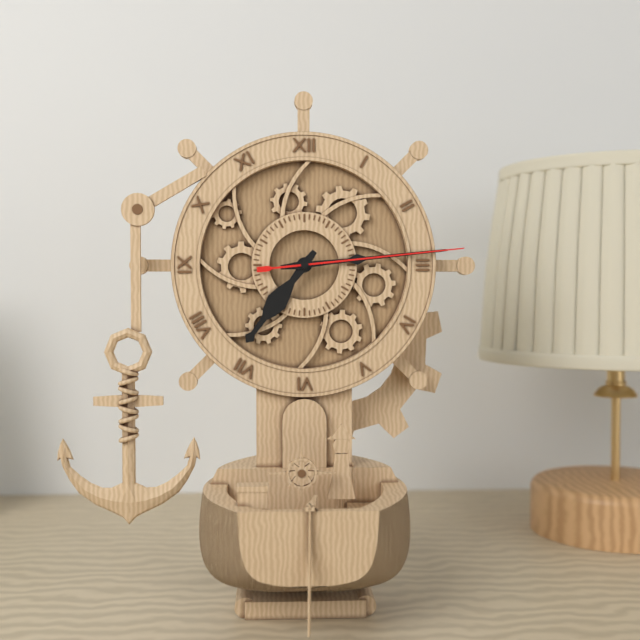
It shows 7:14:14
